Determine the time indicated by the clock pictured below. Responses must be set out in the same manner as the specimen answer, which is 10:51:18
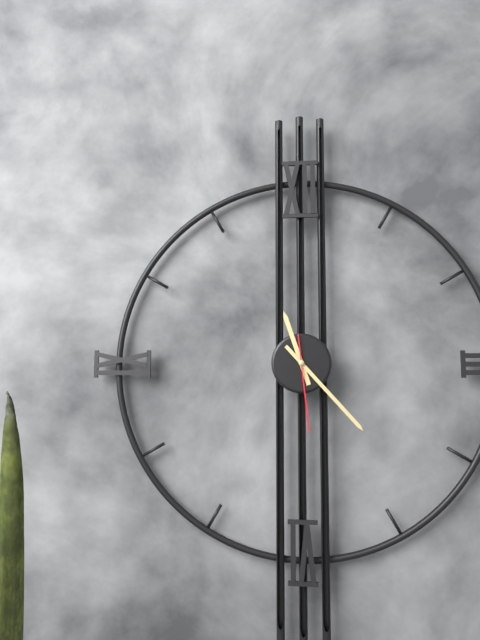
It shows 11:23:29
